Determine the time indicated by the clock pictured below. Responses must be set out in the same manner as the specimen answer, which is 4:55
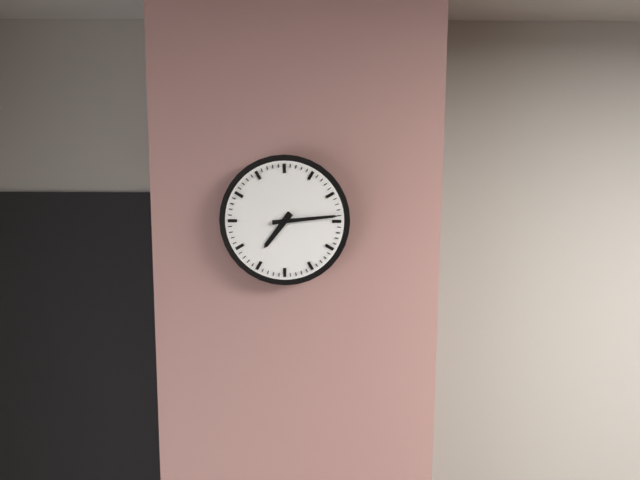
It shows 7:14
